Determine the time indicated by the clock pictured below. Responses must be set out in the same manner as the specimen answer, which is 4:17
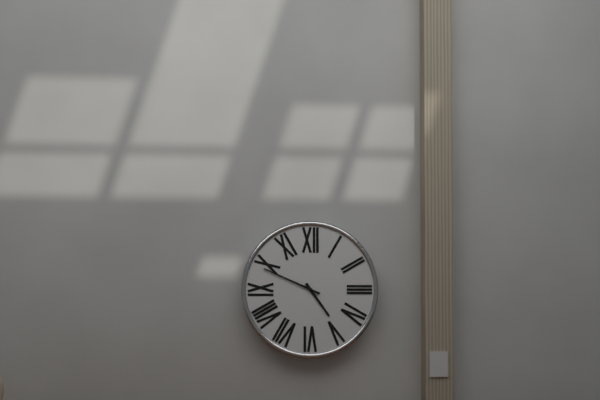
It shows 4:49
